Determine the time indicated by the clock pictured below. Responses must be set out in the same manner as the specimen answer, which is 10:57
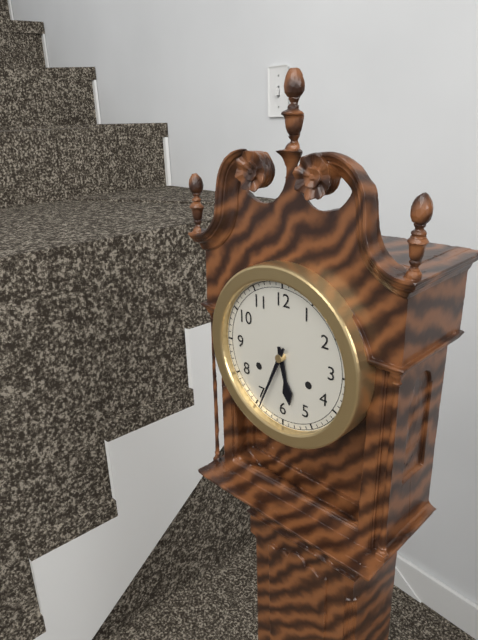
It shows 5:34
